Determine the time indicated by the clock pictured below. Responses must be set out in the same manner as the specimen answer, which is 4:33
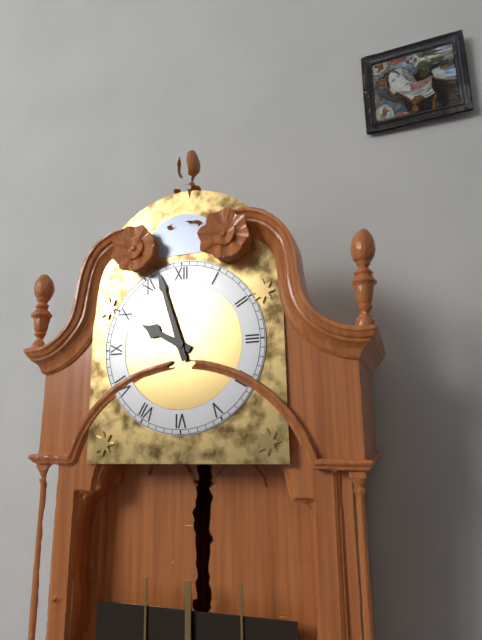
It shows 9:57
